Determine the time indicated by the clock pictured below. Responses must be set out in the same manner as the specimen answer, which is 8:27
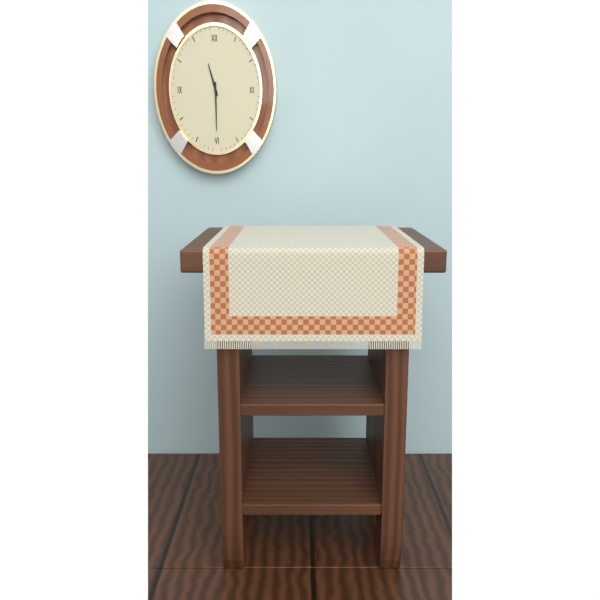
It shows 11:30
